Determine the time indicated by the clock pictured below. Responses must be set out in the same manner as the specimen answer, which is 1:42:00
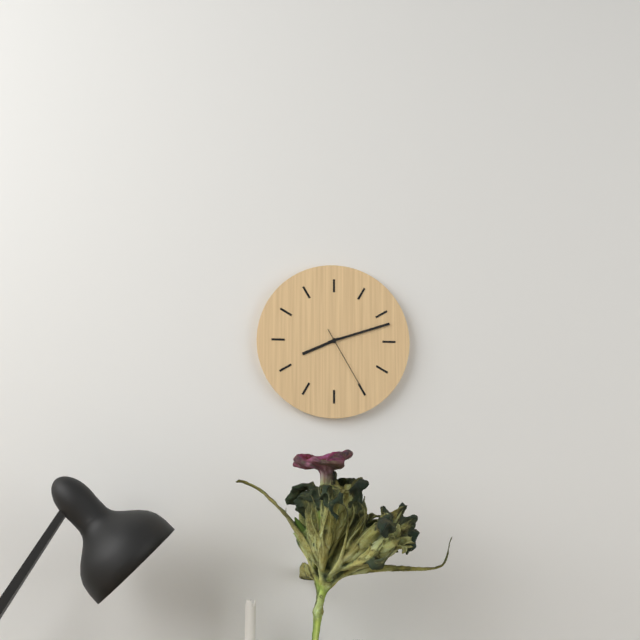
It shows 8:12:25
